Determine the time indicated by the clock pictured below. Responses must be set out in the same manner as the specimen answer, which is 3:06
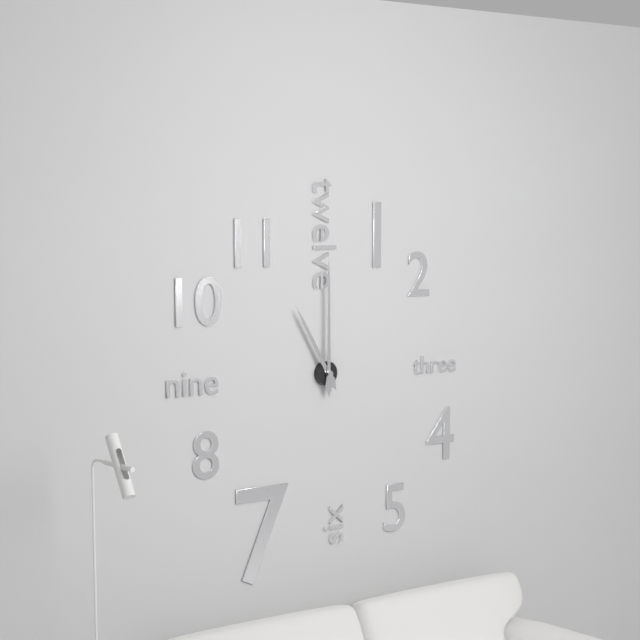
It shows 11:00
